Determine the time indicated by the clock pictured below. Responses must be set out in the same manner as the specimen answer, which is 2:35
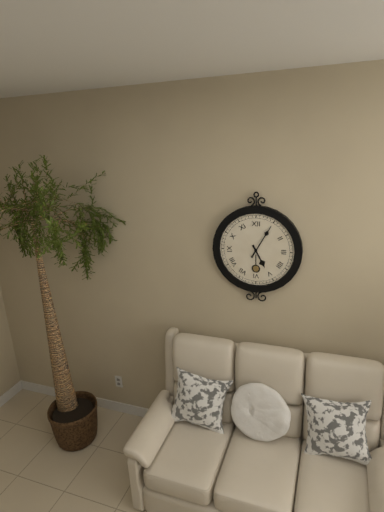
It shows 5:05
